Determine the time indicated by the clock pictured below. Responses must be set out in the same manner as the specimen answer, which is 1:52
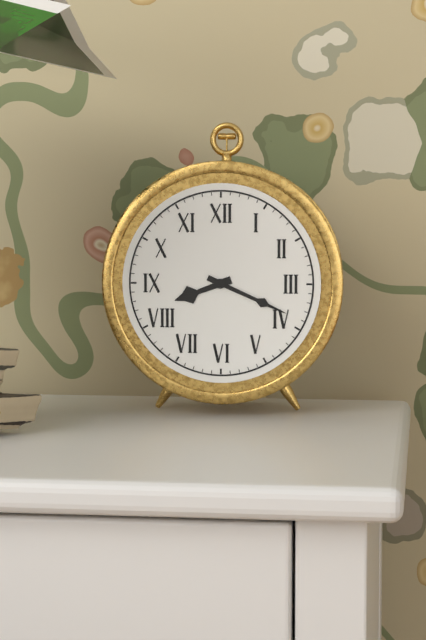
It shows 8:19
